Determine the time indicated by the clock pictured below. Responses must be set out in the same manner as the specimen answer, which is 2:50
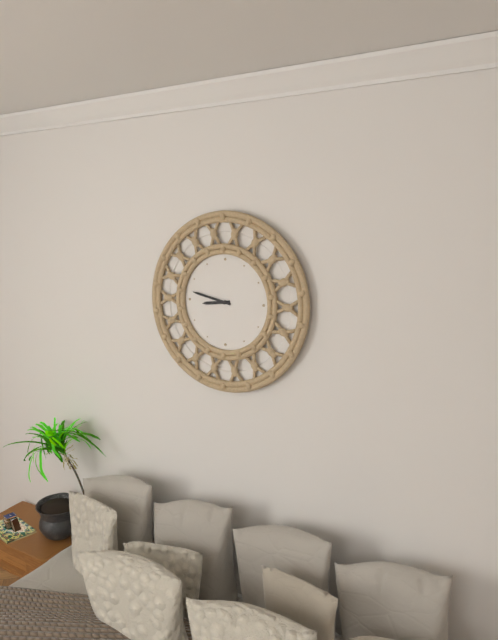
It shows 8:47
